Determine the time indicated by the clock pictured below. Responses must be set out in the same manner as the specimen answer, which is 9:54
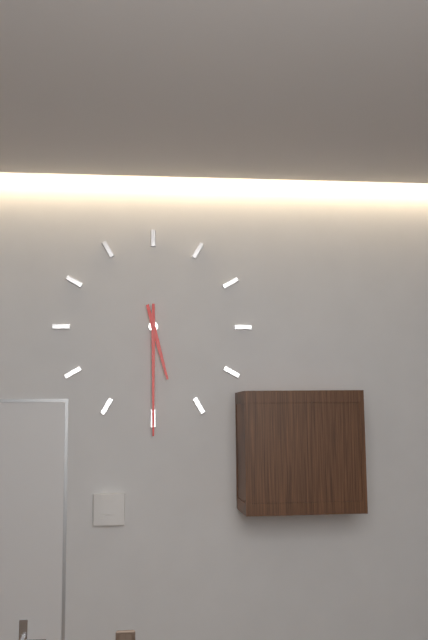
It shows 5:30
